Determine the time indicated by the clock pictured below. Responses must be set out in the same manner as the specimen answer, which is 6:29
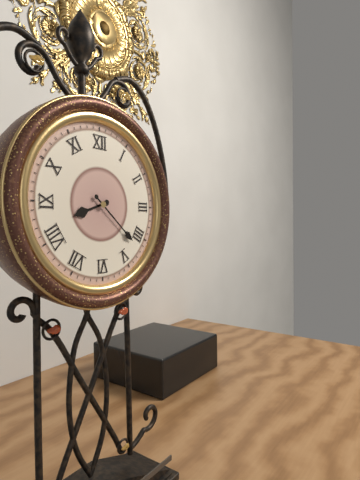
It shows 8:22
